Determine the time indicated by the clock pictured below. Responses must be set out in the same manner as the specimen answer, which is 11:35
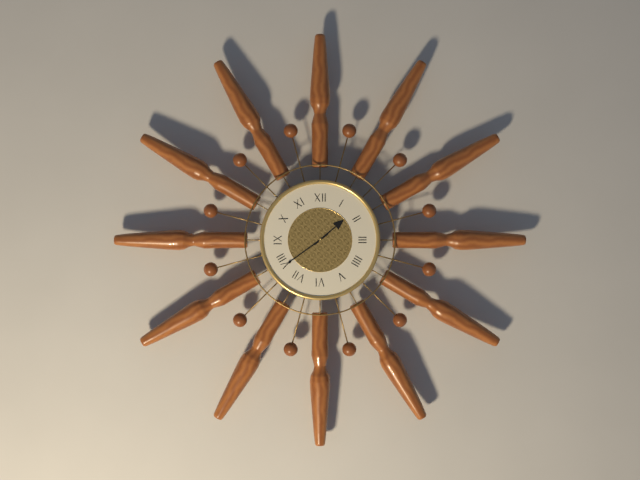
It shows 1:39
